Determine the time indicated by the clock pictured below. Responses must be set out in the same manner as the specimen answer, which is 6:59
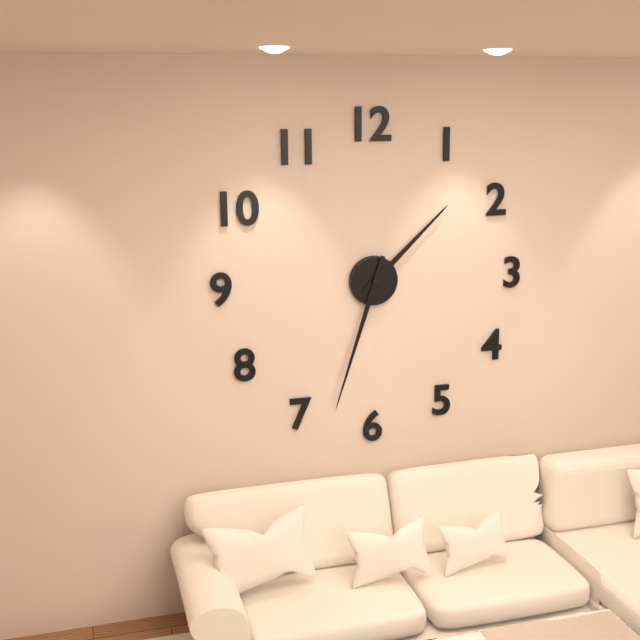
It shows 1:33
